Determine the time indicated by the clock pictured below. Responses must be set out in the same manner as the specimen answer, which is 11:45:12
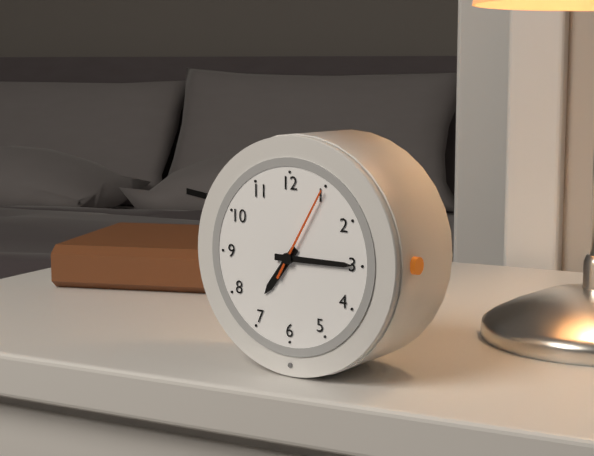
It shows 7:15:05
